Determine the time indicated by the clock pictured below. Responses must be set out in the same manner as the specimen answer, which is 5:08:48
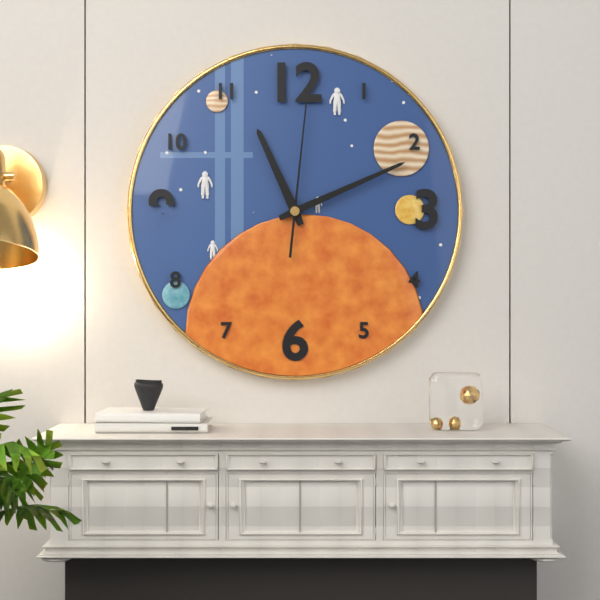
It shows 11:11:01
